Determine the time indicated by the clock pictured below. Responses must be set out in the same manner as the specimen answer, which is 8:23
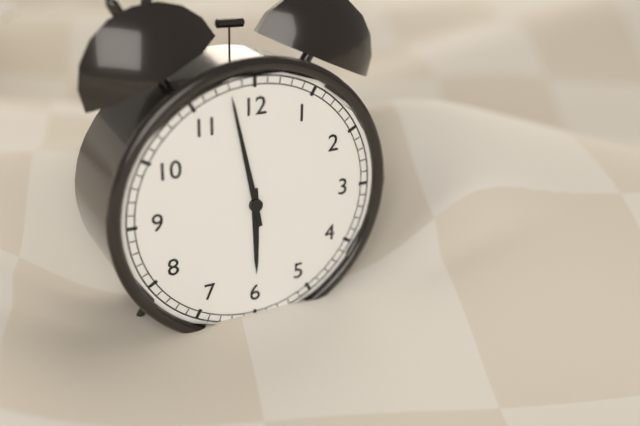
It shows 5:58
